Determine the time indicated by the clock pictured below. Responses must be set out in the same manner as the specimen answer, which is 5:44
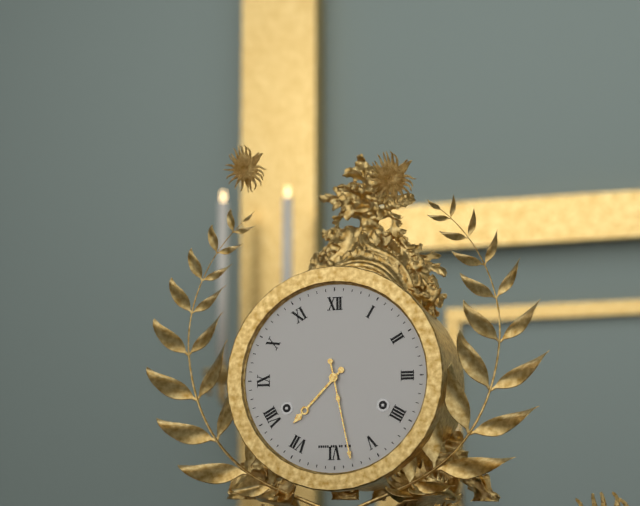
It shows 7:28
